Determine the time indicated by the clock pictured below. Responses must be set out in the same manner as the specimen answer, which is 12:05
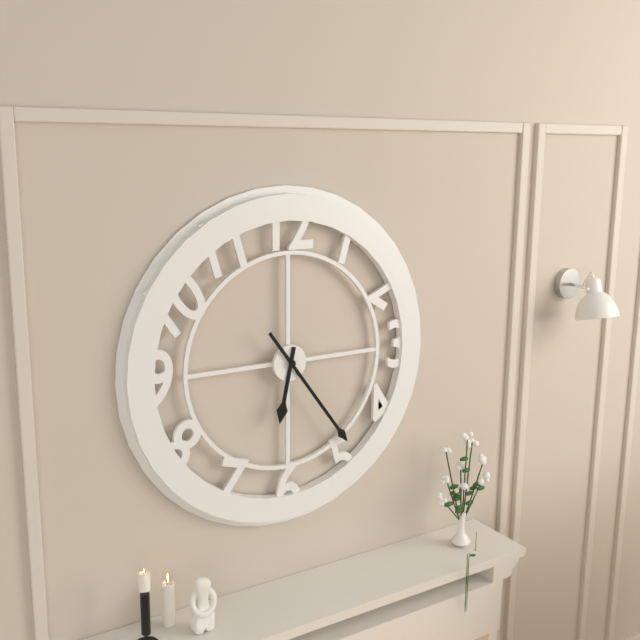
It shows 6:24
